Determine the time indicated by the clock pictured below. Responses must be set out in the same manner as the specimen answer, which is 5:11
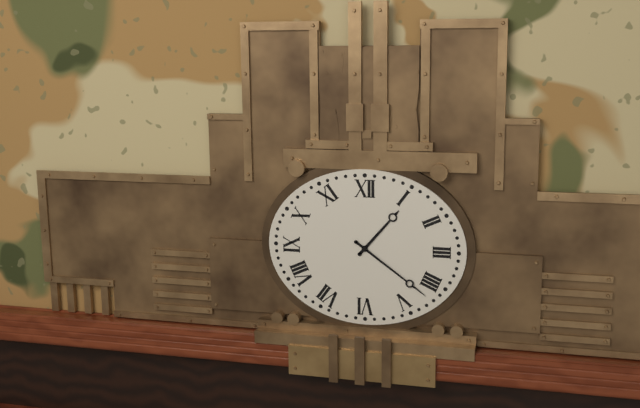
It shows 1:21
